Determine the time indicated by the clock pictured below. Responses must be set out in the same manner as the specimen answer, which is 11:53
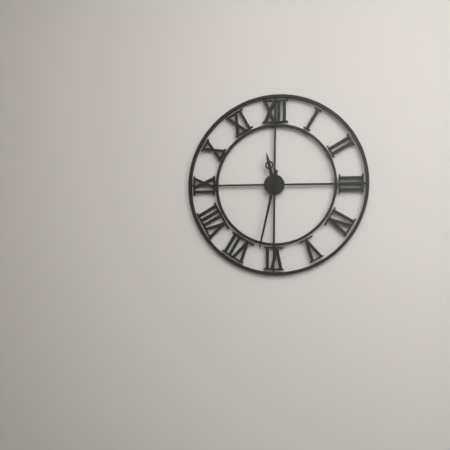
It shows 11:32
